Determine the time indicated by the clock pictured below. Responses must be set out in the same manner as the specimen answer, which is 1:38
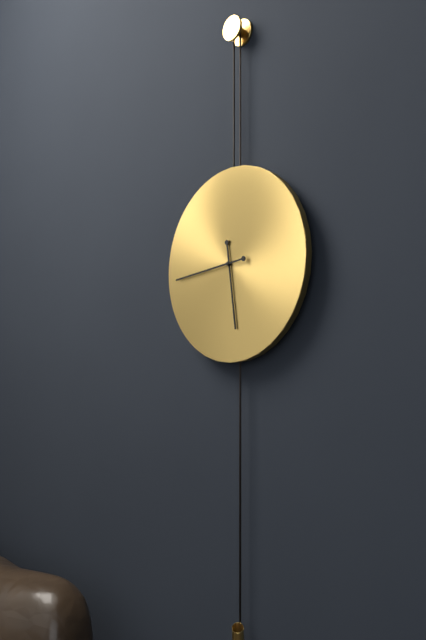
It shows 5:44
